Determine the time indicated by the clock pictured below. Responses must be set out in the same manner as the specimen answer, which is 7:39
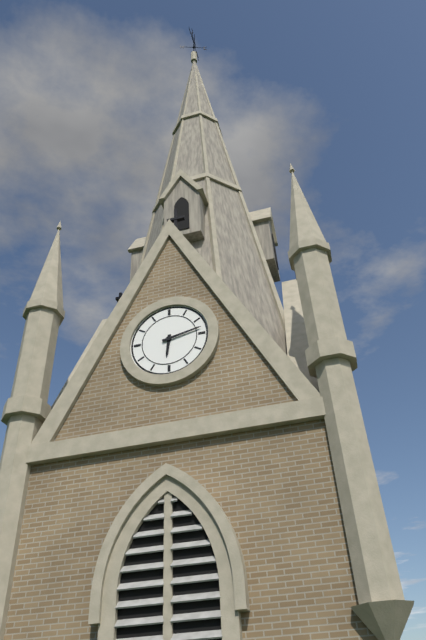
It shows 6:13
